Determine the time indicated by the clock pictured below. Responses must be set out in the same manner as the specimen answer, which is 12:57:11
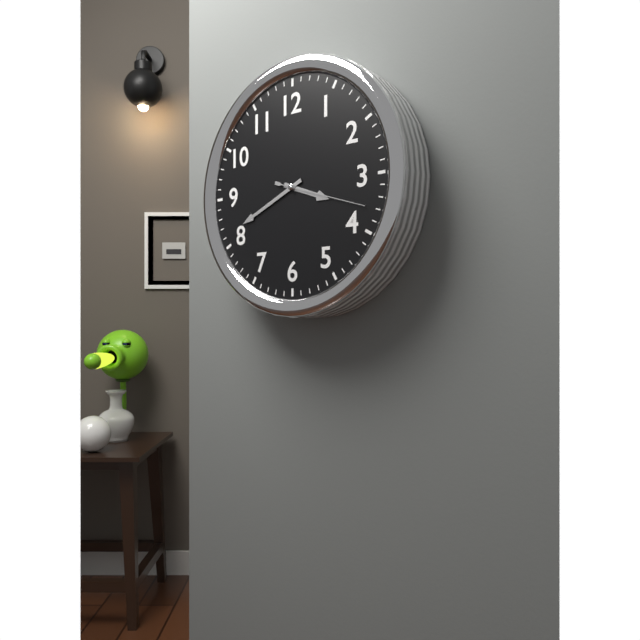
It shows 3:41:18
